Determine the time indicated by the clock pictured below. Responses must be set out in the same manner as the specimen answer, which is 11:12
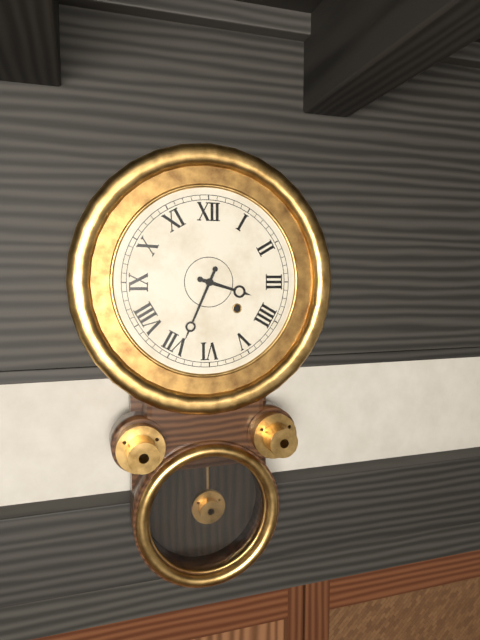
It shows 3:34
